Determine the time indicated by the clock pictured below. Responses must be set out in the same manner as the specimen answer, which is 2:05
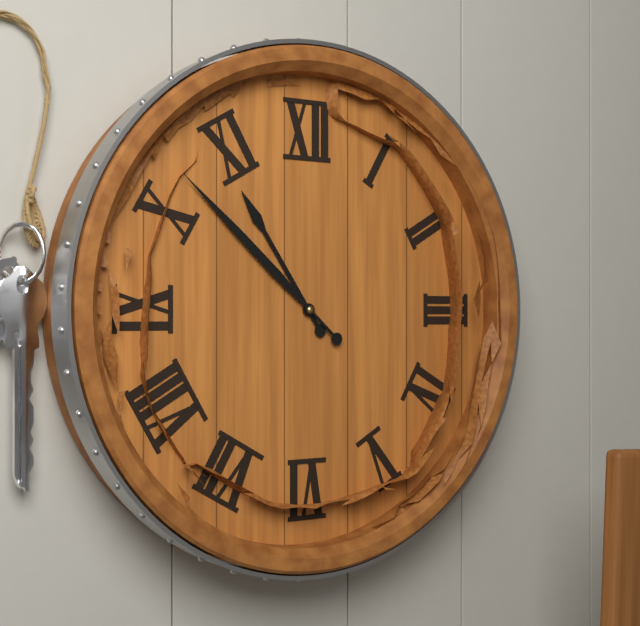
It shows 10:52
